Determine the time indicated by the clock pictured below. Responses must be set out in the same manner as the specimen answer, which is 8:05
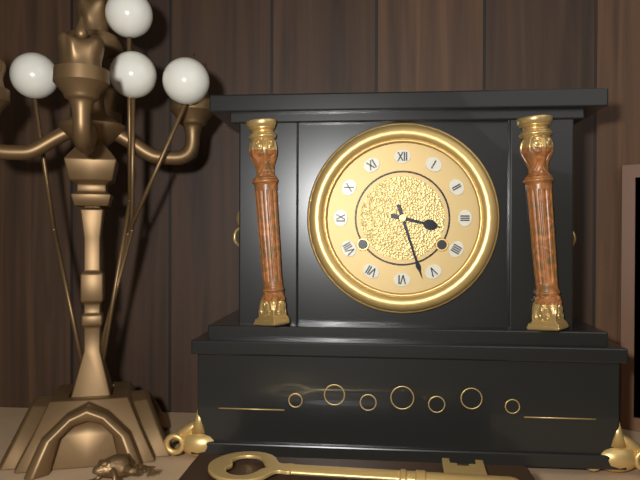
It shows 3:27
